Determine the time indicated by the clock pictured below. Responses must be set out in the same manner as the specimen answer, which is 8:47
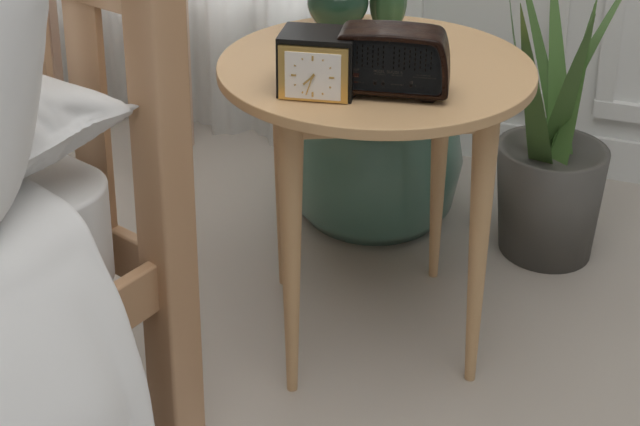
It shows 7:33
